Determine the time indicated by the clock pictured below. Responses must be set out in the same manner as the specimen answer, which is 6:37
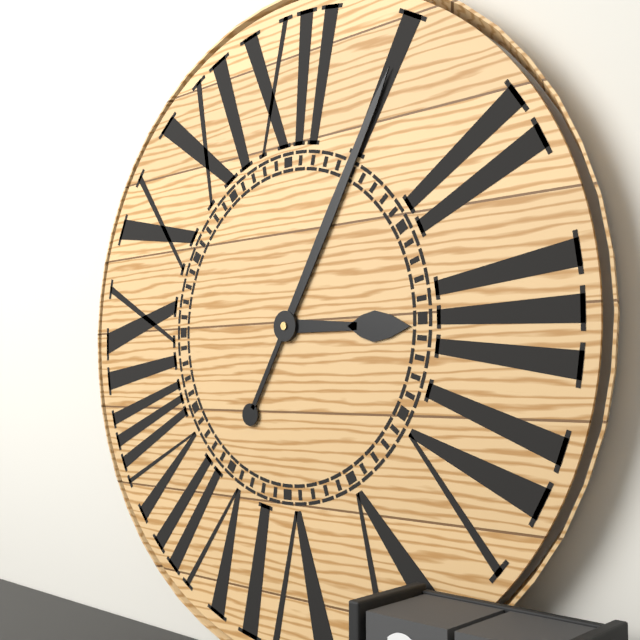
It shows 3:05
